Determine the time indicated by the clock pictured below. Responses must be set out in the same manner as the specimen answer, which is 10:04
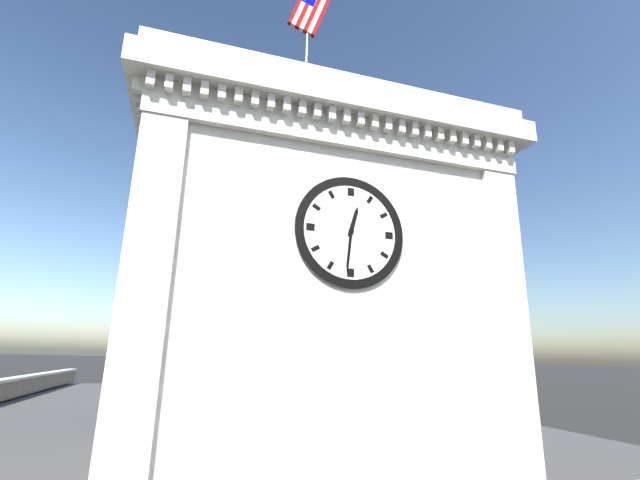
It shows 12:31
